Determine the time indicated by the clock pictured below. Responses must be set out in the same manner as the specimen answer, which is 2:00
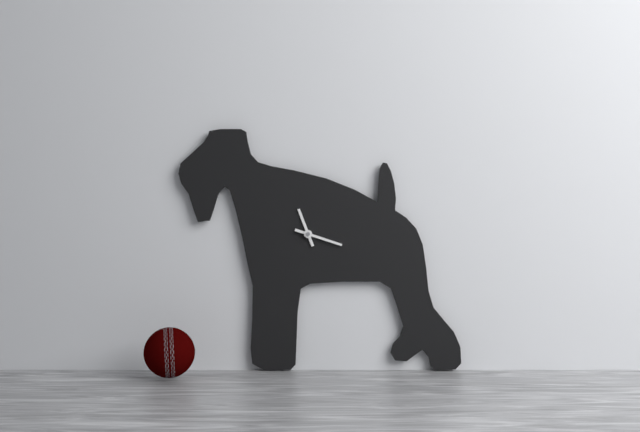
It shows 11:18
